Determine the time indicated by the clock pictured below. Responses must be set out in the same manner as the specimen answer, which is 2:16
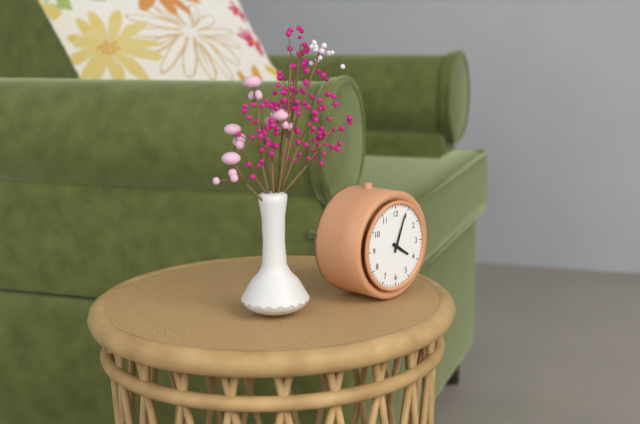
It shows 4:04
